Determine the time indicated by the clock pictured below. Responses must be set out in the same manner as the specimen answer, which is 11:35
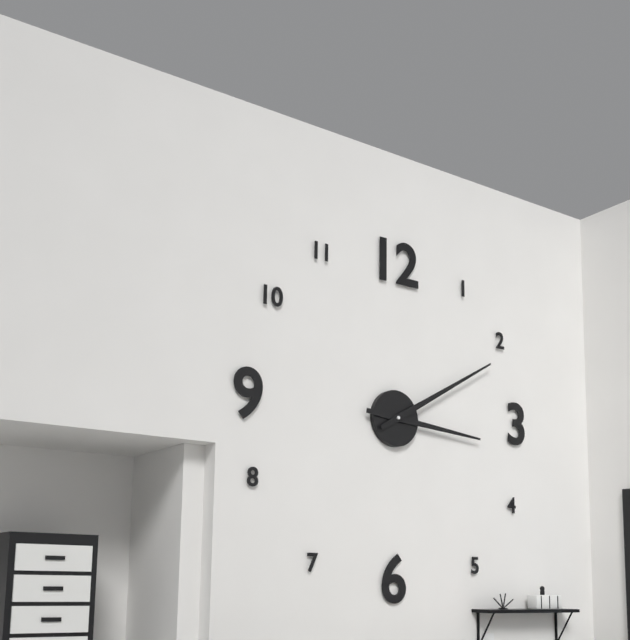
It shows 3:10
